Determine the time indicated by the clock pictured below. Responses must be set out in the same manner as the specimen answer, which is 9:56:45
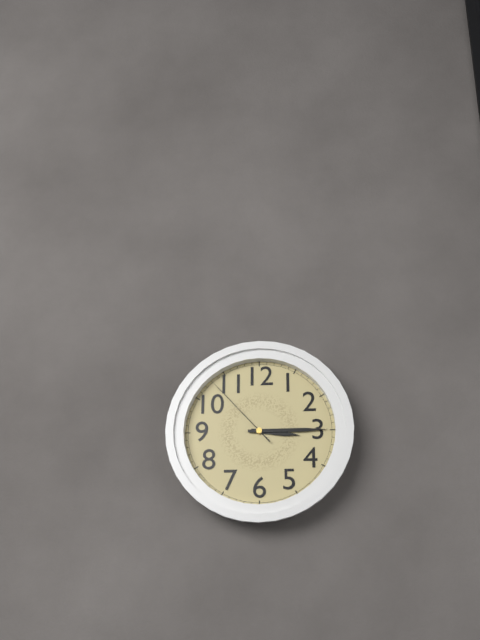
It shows 3:15:53
